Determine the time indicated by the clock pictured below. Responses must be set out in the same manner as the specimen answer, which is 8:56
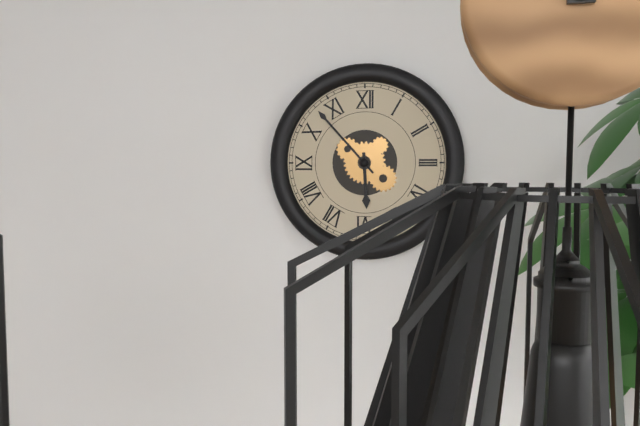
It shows 5:53
